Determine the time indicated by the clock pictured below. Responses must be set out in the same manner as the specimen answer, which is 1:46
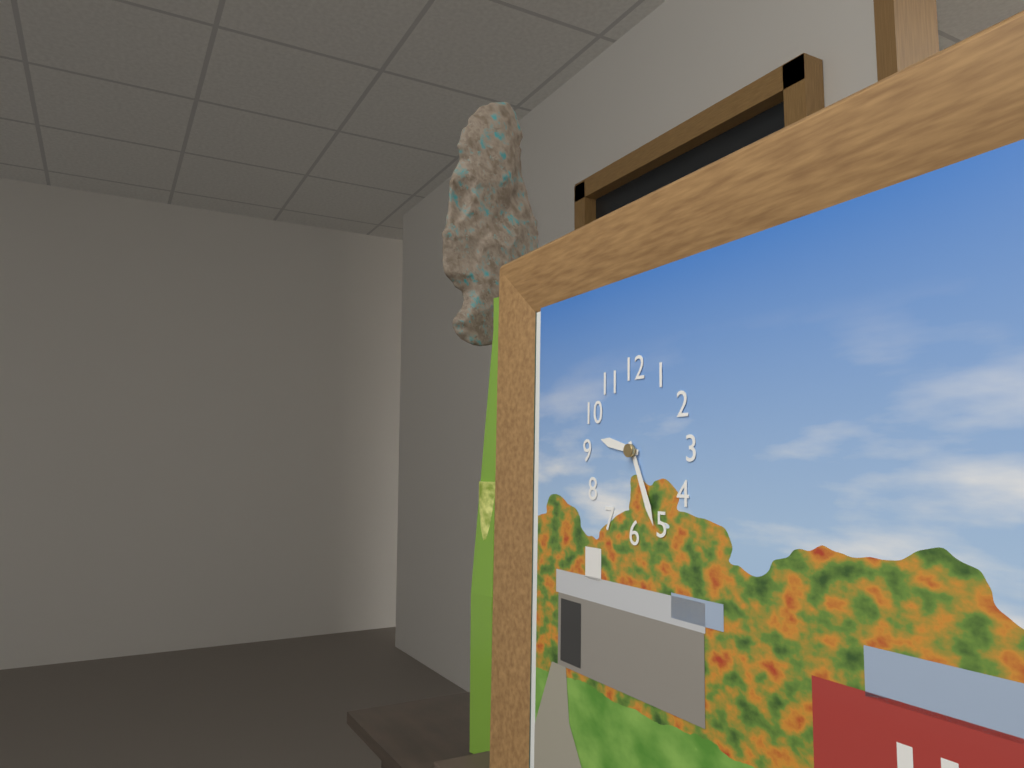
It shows 9:26
